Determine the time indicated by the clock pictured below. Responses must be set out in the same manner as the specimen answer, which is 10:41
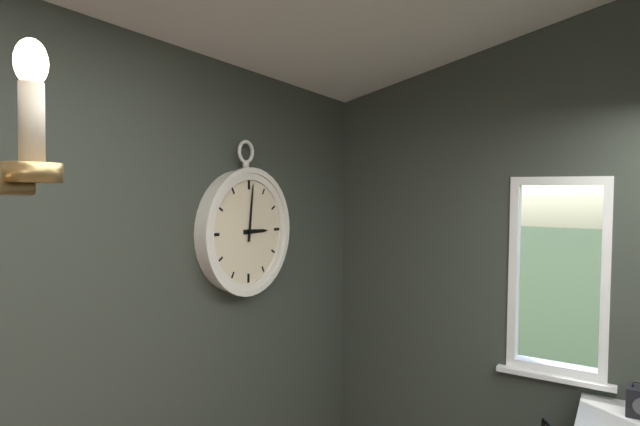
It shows 3:01
